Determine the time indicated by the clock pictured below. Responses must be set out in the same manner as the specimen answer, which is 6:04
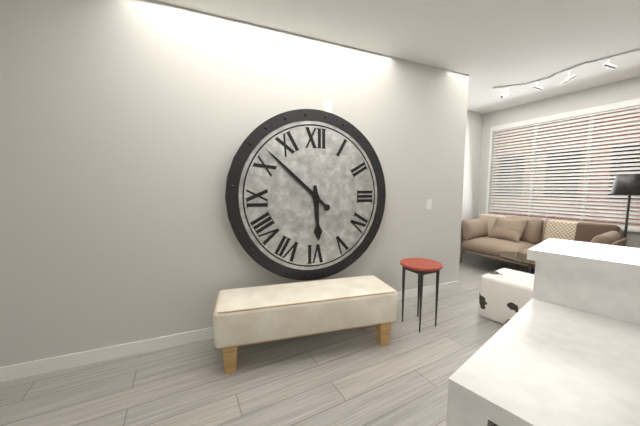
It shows 5:52
